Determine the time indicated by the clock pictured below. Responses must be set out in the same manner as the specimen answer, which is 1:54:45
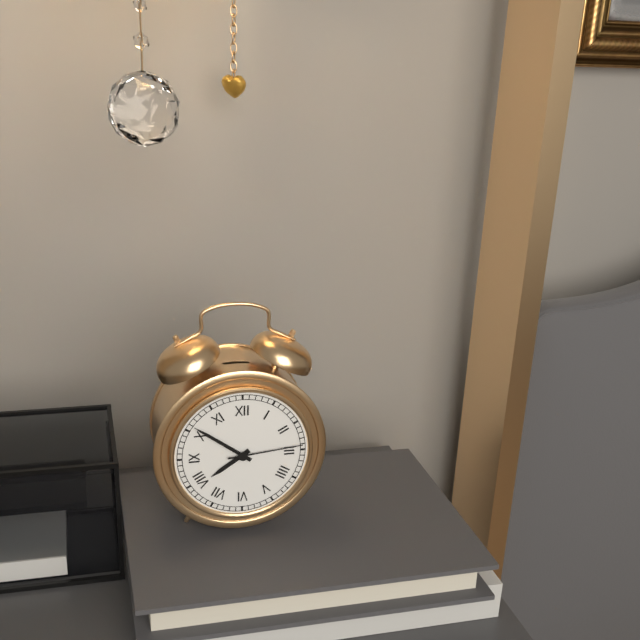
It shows 7:51:14
